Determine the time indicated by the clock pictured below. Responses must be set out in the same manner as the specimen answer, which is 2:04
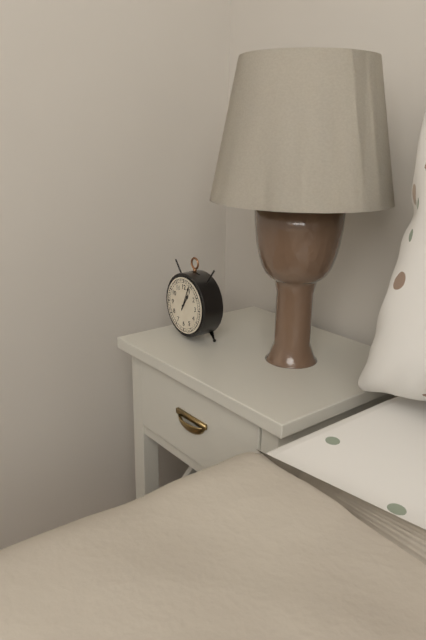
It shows 1:04
